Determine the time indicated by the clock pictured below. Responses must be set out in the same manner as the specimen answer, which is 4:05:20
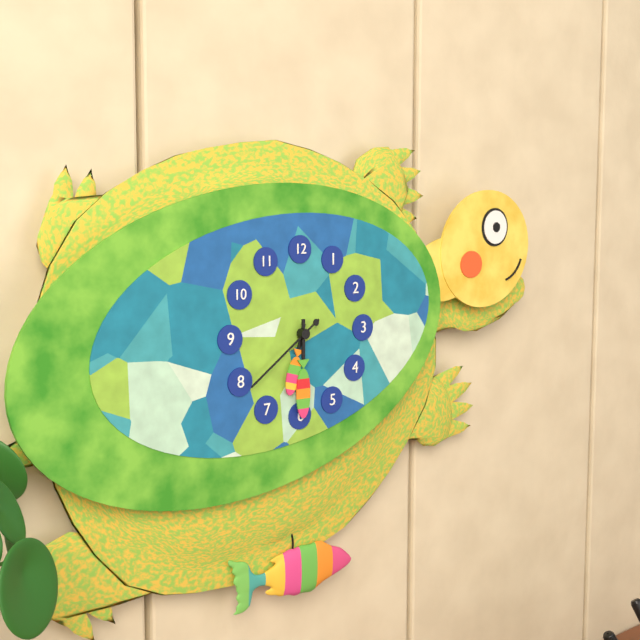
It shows 6:30:39
